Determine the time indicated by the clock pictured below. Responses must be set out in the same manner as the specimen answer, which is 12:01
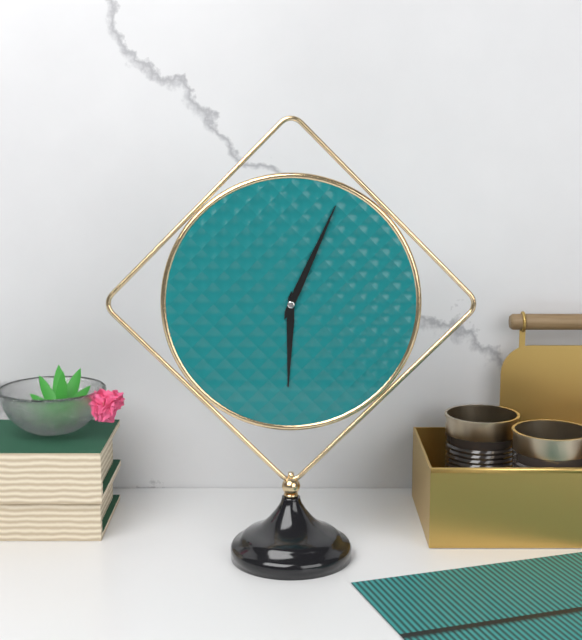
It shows 6:04
